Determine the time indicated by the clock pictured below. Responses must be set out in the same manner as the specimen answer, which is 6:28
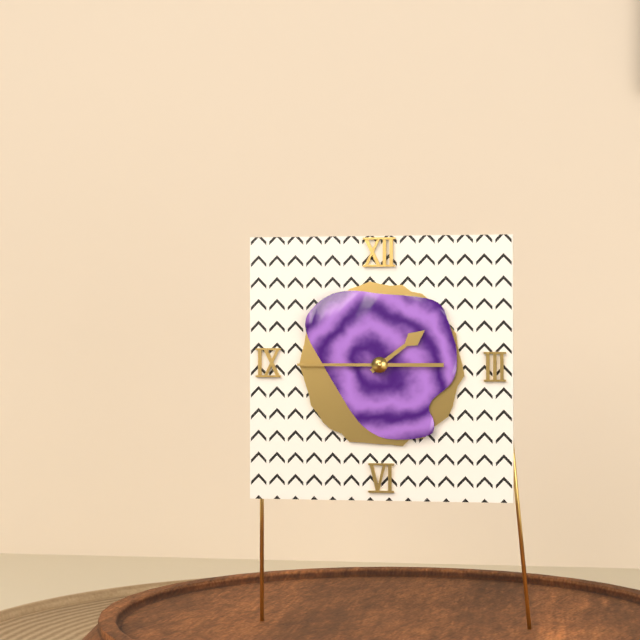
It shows 1:45
